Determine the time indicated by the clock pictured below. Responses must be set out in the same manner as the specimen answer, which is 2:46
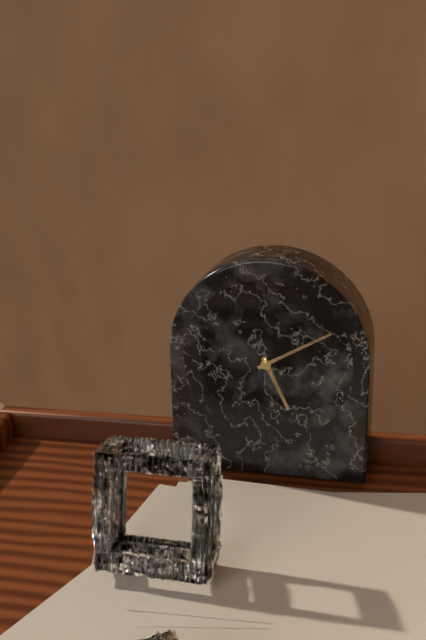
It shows 5:10
